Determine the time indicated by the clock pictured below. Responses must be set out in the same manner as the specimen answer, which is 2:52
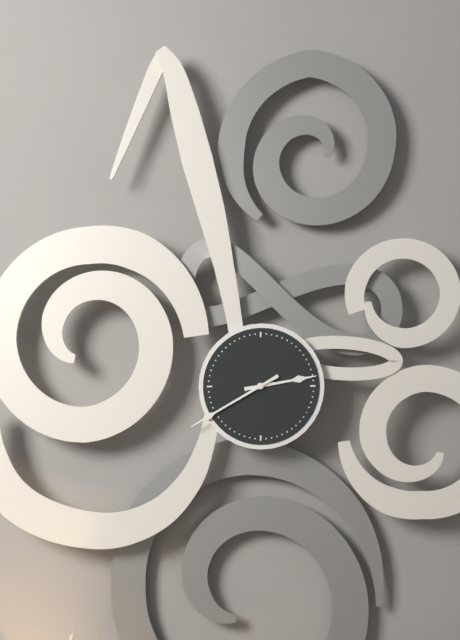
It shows 2:40
